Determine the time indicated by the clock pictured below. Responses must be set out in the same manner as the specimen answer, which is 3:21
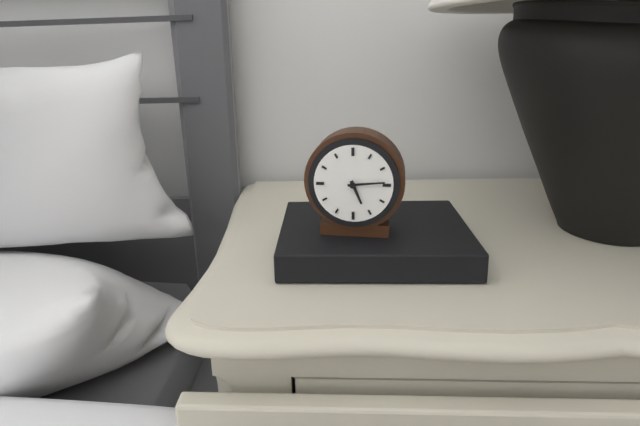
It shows 5:14
